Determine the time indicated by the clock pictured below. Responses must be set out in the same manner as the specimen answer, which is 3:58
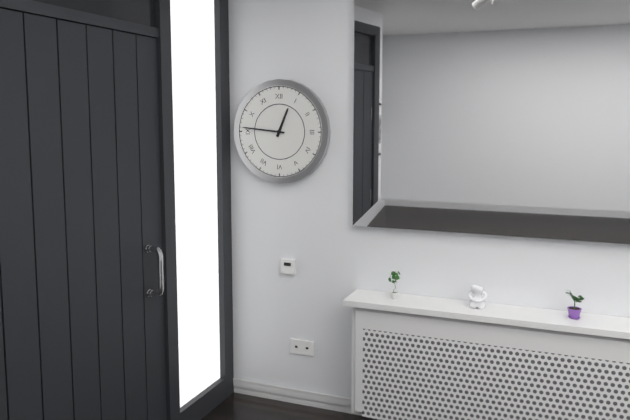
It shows 12:46
